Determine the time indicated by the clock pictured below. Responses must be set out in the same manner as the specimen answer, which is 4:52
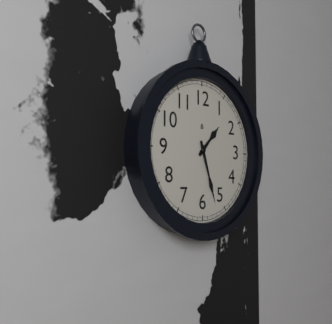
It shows 1:27
